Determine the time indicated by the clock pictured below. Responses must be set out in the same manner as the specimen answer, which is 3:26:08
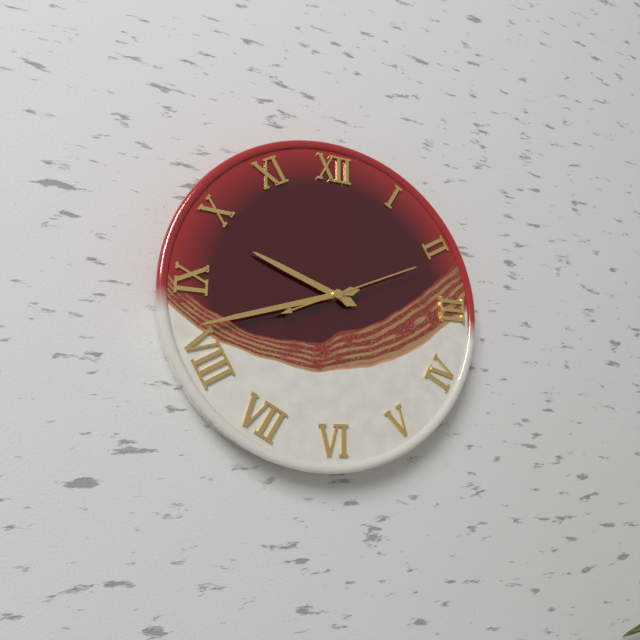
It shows 9:42:11
